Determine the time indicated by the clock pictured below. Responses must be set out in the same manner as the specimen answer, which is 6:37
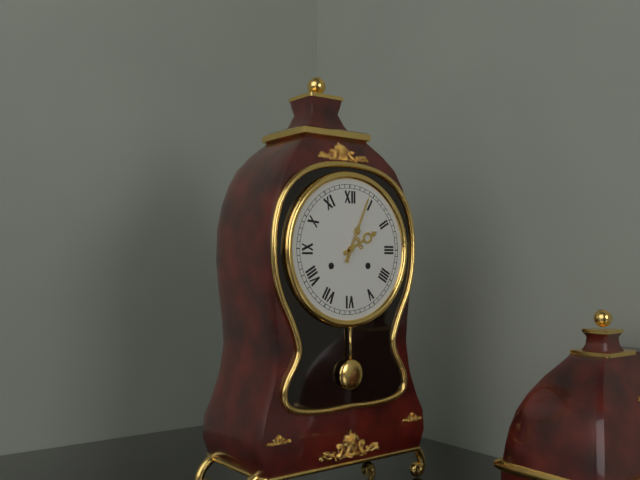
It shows 2:04
